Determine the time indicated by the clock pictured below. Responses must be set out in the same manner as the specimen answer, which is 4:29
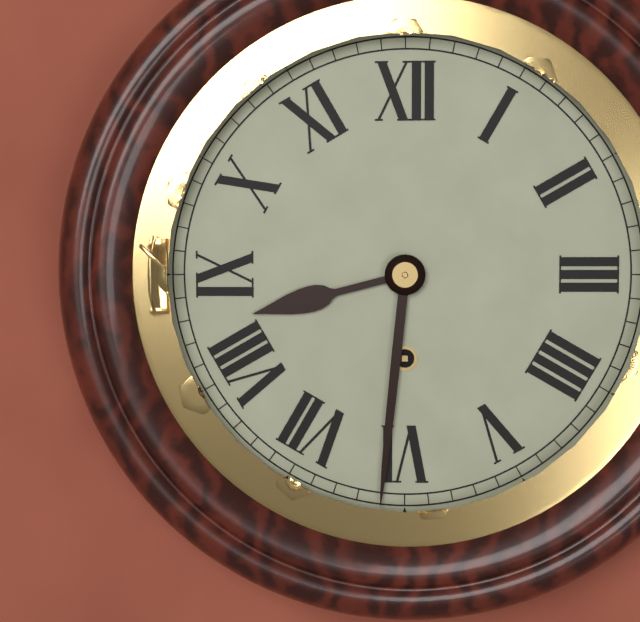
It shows 8:31
